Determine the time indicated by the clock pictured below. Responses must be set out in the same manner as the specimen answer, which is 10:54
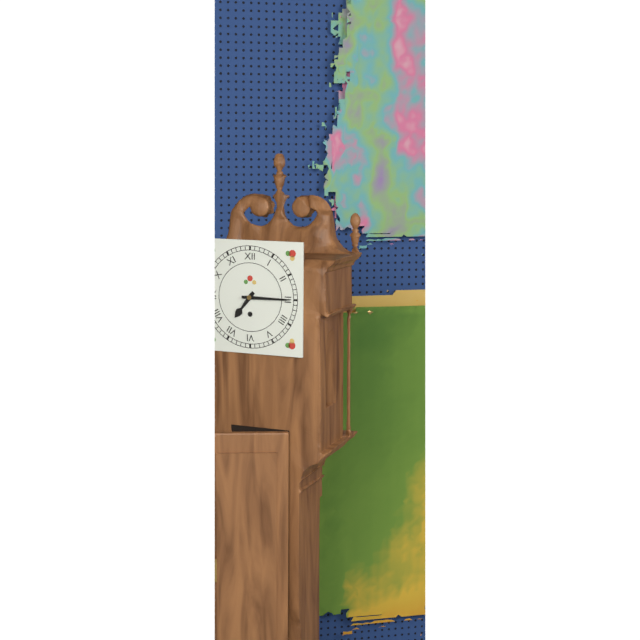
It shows 7:15
